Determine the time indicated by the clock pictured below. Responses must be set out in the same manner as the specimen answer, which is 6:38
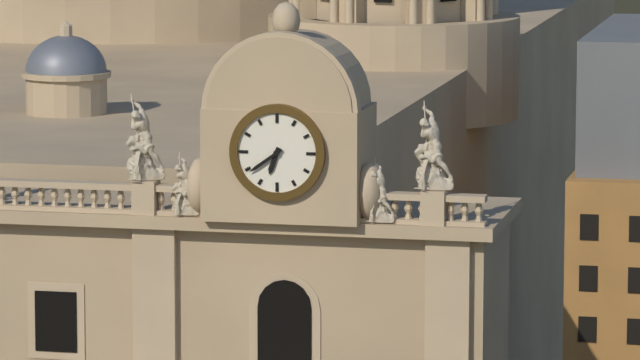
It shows 6:39
